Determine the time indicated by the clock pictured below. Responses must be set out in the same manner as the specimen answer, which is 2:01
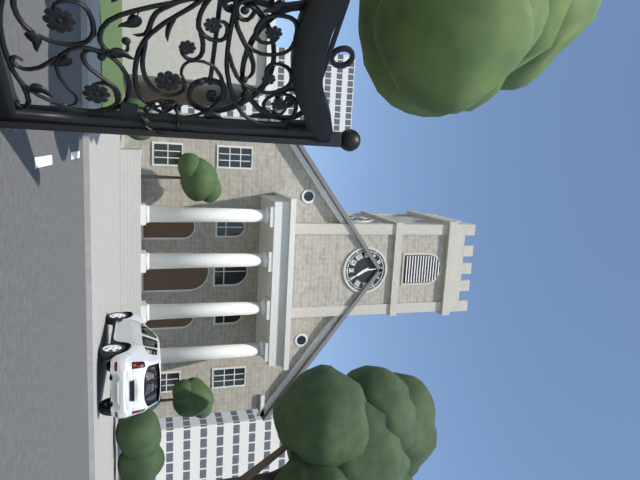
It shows 4:59
